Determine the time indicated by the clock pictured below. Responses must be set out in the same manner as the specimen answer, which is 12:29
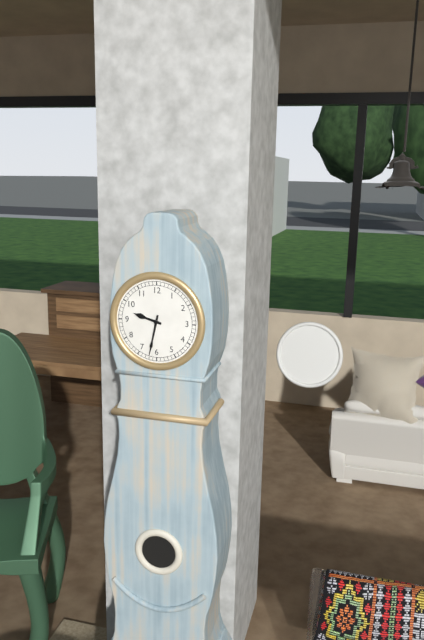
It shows 9:32
